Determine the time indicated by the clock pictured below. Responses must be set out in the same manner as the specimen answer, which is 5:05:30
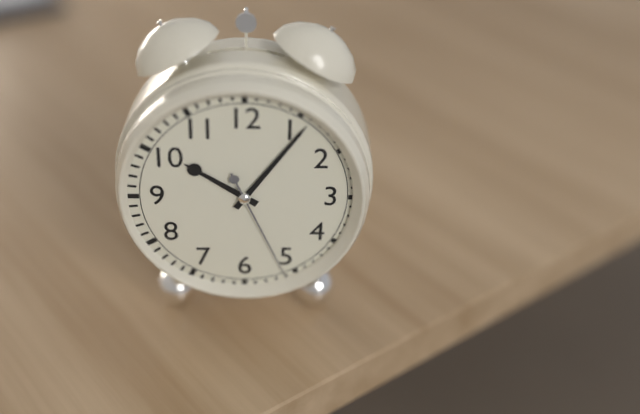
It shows 10:06:26
